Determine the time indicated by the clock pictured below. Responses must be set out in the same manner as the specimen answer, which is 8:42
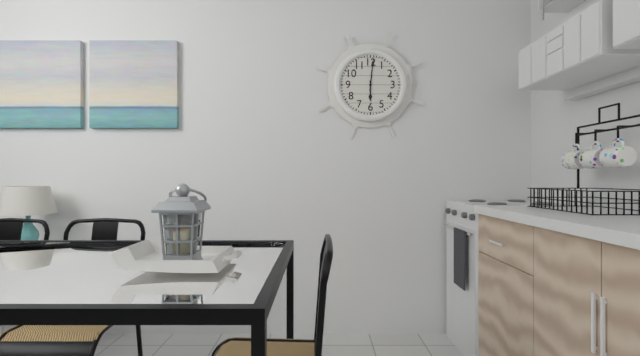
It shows 6:01
